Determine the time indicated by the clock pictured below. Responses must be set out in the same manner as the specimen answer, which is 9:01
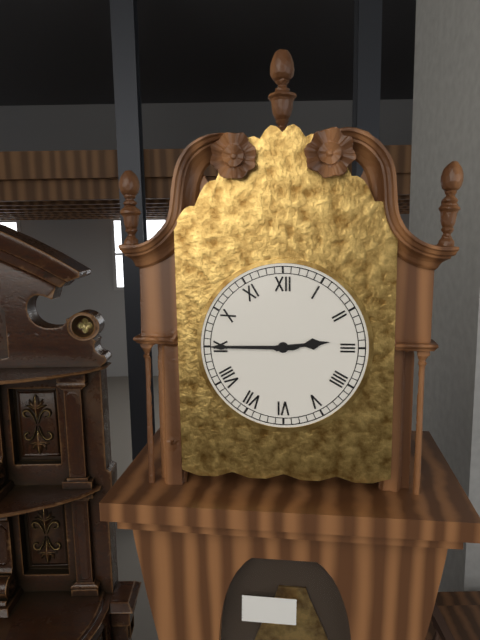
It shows 2:45
